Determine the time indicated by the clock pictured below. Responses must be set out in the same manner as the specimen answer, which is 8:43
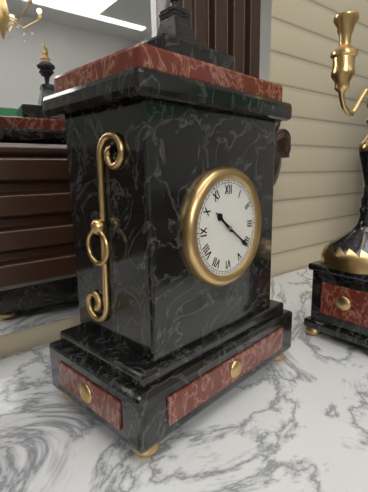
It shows 10:21
